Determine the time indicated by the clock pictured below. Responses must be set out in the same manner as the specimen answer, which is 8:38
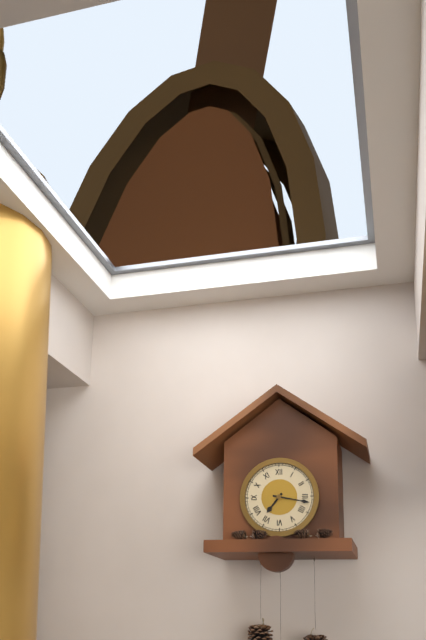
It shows 7:17
